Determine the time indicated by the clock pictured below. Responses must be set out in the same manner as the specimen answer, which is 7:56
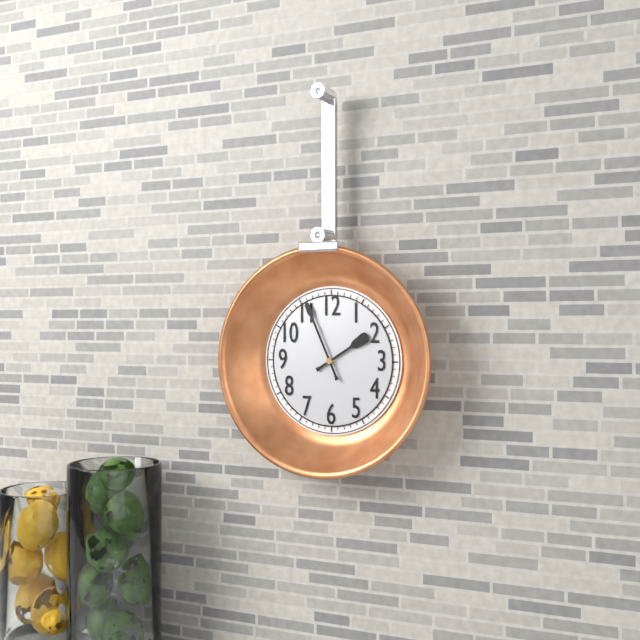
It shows 1:56
